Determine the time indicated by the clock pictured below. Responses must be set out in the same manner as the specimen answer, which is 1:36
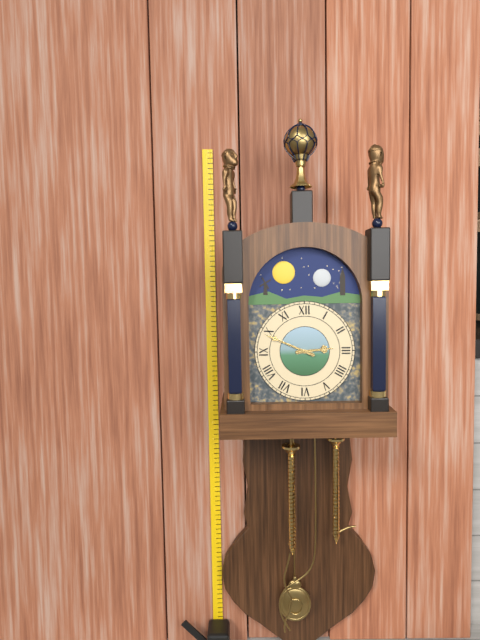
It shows 2:49
